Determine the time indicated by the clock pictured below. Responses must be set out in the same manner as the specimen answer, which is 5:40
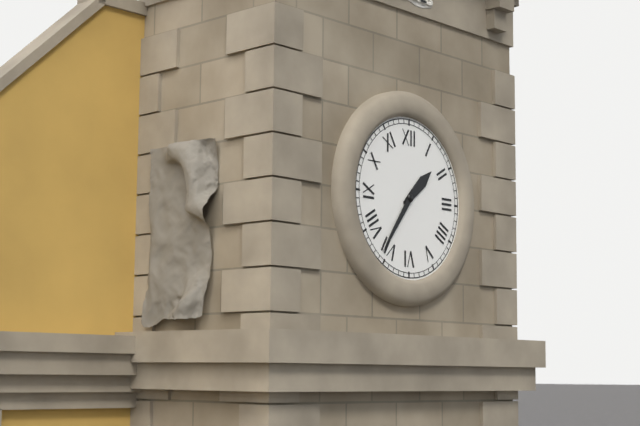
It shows 1:36
